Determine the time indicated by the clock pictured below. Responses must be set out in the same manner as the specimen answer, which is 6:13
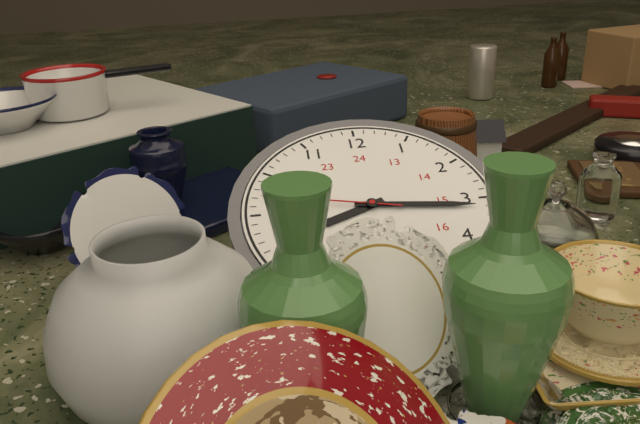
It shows 8:16
